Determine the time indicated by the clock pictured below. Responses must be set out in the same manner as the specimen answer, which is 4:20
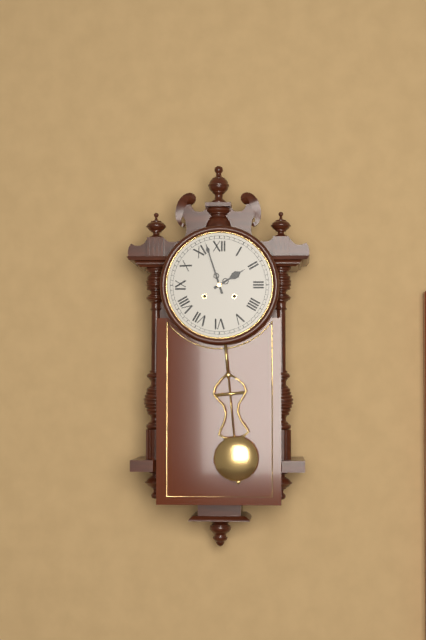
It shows 1:57
